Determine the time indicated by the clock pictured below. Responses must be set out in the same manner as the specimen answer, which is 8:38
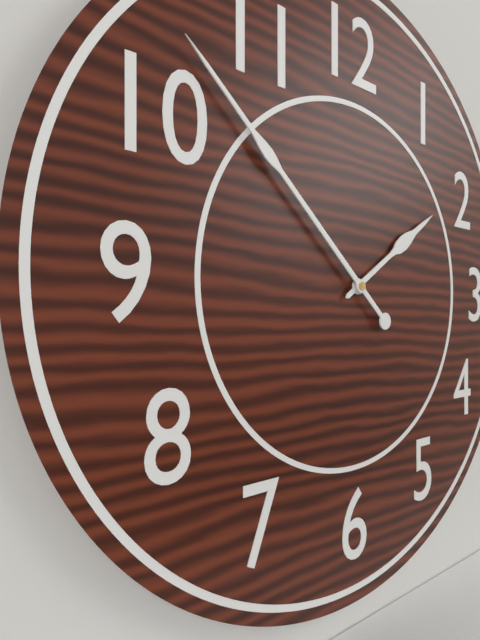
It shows 1:52
